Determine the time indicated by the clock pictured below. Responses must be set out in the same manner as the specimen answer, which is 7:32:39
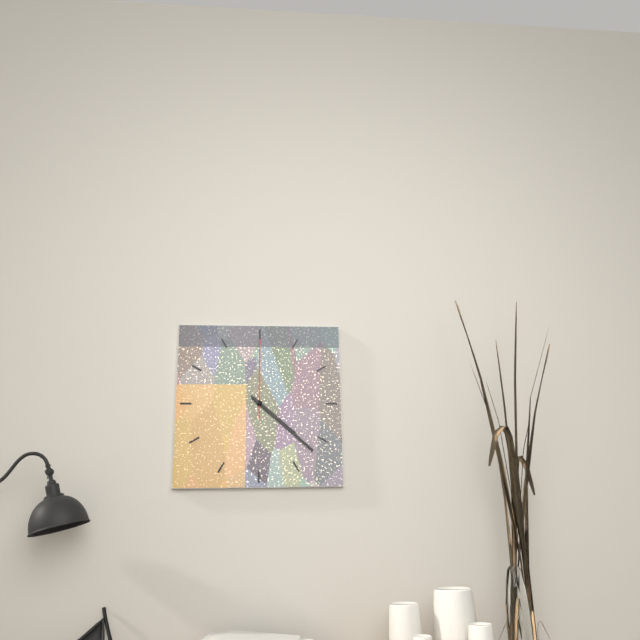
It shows 4:22:00
